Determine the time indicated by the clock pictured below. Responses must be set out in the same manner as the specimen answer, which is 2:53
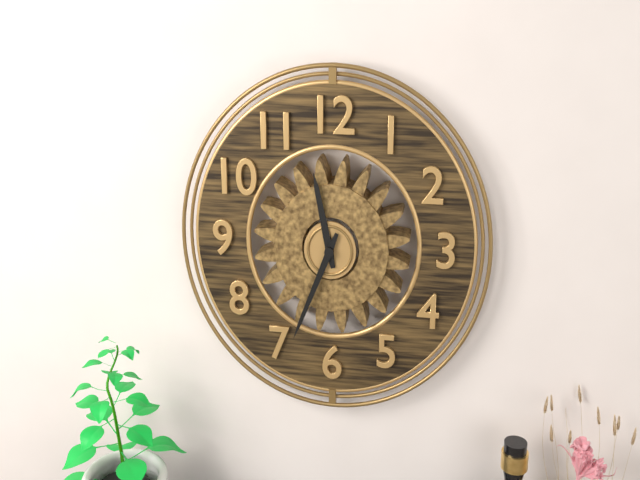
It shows 11:34
